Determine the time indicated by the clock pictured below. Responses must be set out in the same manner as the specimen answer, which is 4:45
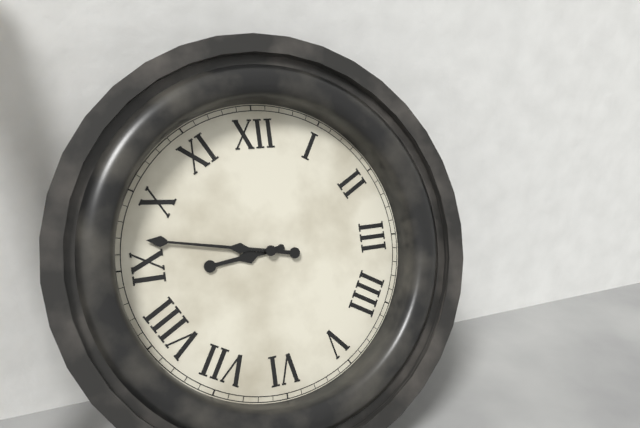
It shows 8:47
